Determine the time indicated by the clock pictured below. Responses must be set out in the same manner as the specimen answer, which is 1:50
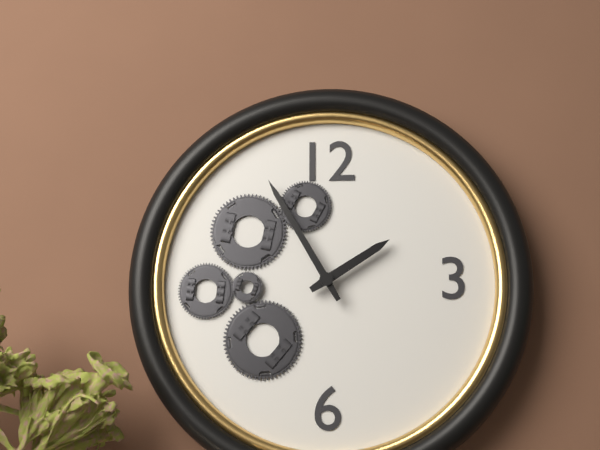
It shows 1:55
